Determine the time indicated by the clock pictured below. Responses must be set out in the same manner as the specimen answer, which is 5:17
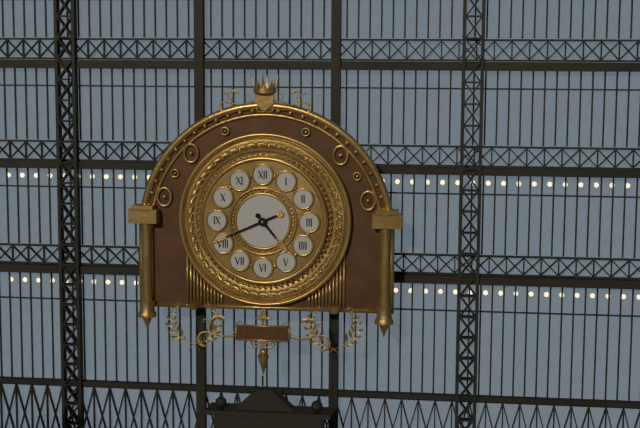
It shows 4:41
